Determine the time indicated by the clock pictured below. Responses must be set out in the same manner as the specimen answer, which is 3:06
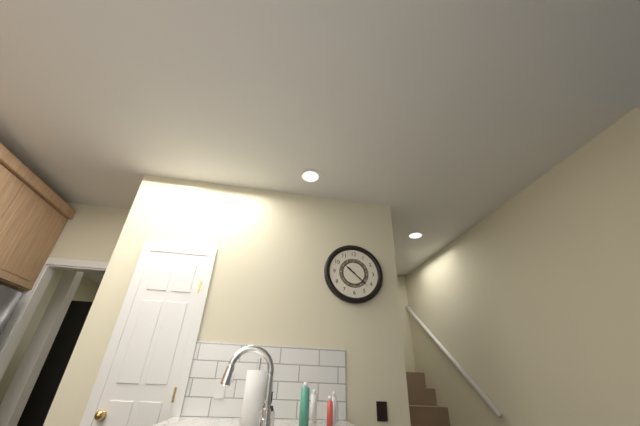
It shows 10:22
